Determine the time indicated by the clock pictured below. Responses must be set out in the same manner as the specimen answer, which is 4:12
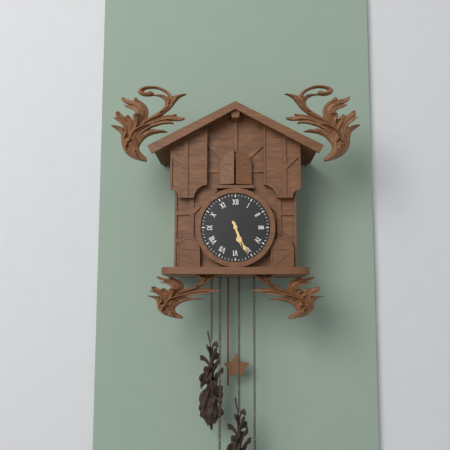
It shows 5:26
